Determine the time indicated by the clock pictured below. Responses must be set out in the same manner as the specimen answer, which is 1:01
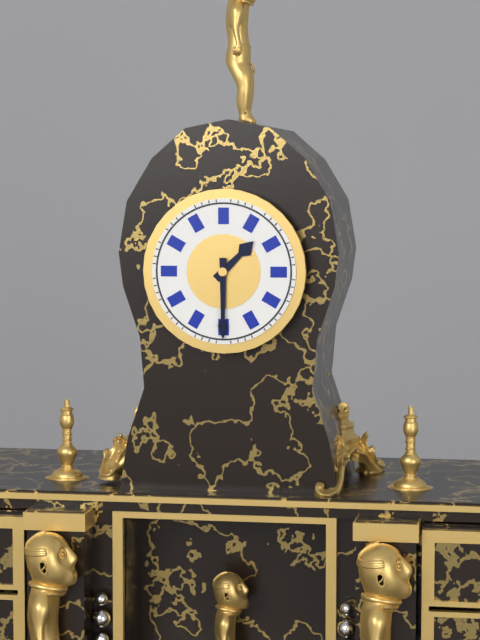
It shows 1:30
